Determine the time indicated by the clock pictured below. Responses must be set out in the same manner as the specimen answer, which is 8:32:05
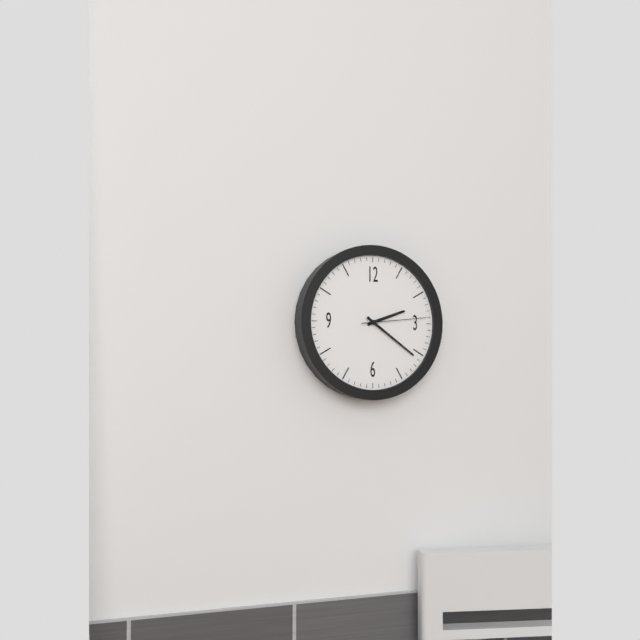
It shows 2:21:14
